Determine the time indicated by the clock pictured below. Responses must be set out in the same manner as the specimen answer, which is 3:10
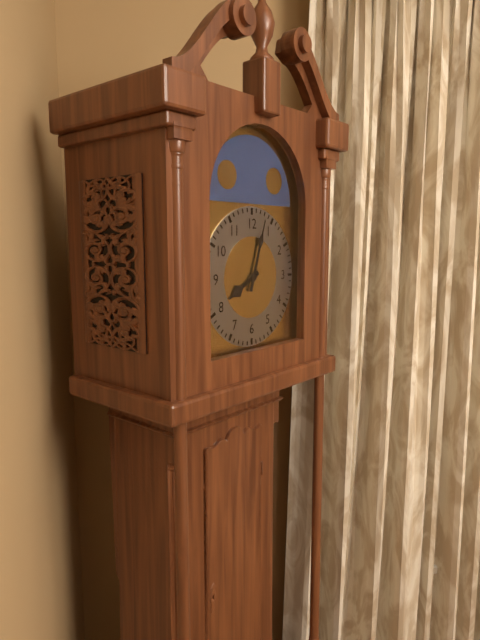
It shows 8:03
